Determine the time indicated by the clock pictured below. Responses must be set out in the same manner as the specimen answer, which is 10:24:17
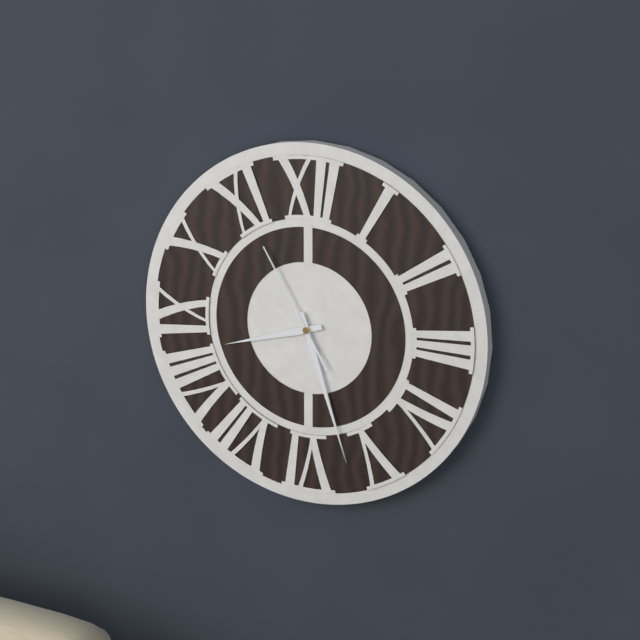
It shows 8:27:55
